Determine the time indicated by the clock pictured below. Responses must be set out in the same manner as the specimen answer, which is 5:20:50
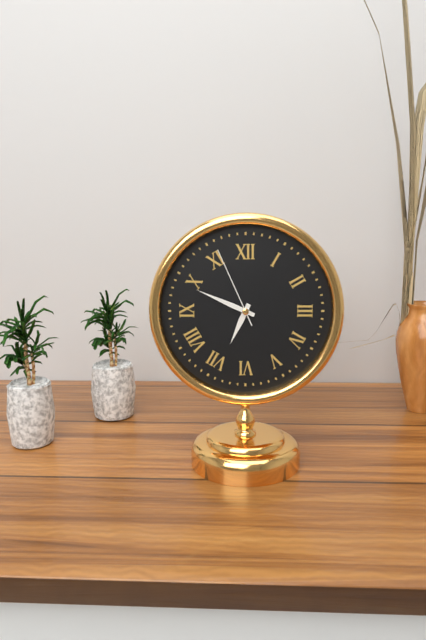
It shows 6:49:56
